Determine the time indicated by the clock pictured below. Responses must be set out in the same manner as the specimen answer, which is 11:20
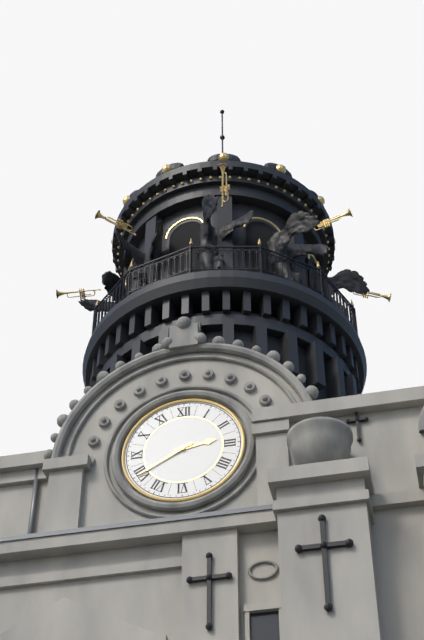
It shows 2:40
